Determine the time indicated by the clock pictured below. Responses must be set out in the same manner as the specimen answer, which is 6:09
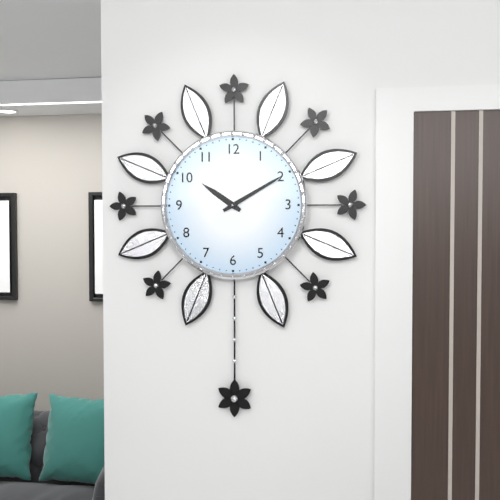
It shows 10:10
